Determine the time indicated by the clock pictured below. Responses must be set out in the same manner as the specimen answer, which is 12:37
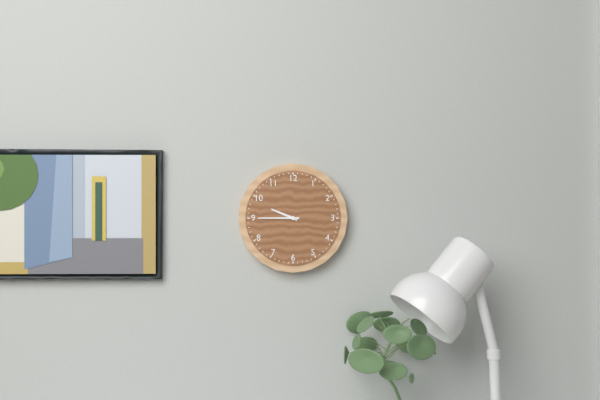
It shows 9:45
